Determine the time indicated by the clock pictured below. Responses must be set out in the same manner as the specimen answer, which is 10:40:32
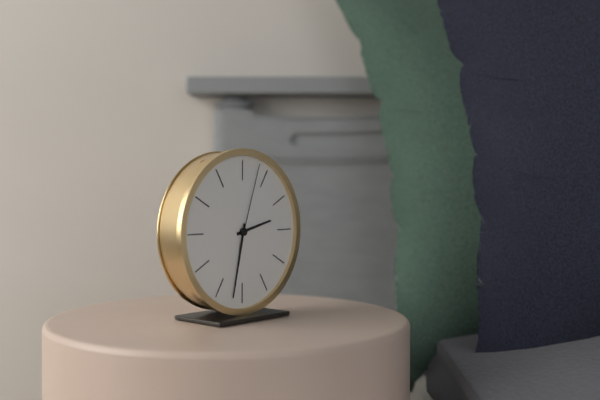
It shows 2:32:03
